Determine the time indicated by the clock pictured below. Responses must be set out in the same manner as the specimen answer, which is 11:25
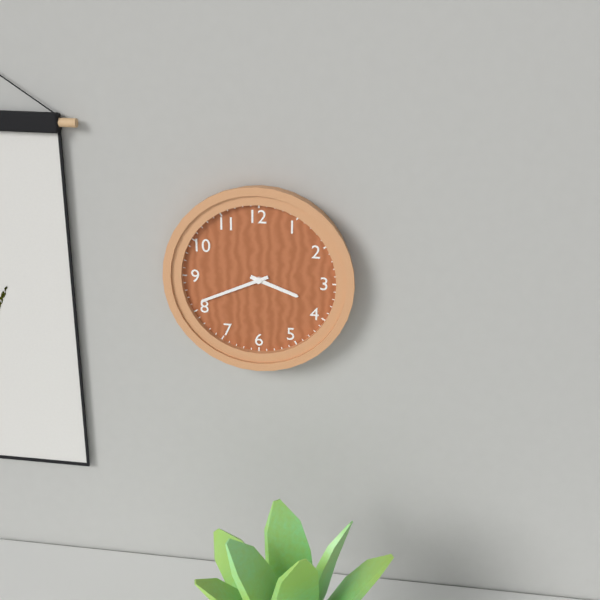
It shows 3:41
